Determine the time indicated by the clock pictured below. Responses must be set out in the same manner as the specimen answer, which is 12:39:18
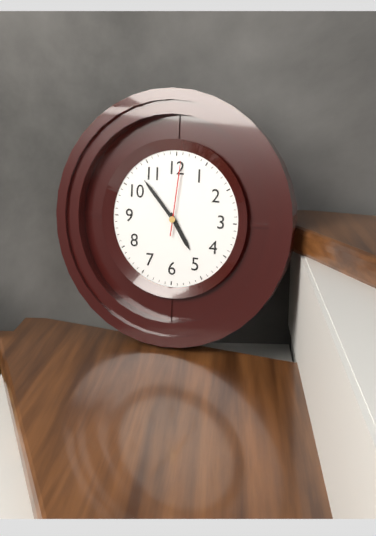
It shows 4:53:01
